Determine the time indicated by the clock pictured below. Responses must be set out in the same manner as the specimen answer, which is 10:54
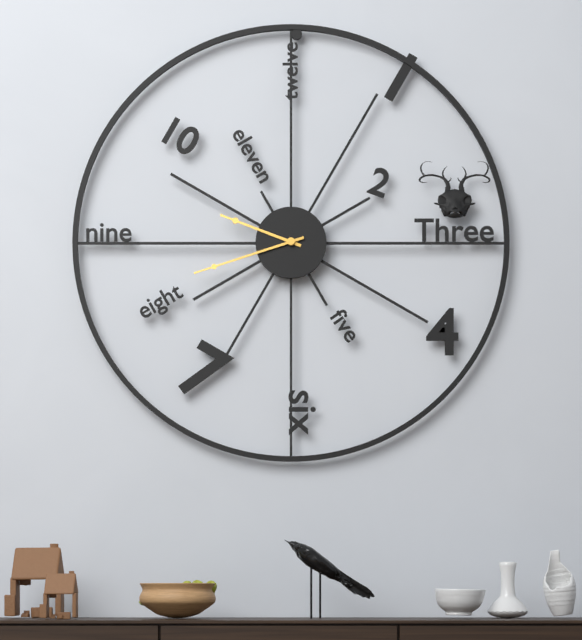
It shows 9:42
